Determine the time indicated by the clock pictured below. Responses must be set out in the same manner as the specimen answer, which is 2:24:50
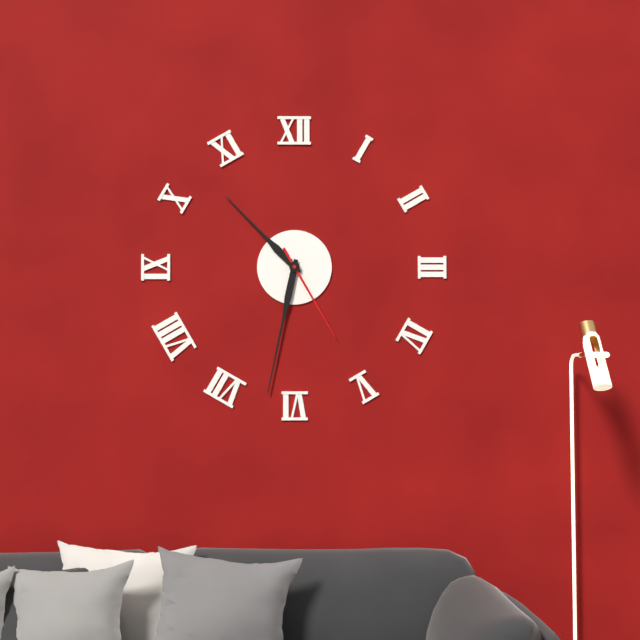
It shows 10:32:25
